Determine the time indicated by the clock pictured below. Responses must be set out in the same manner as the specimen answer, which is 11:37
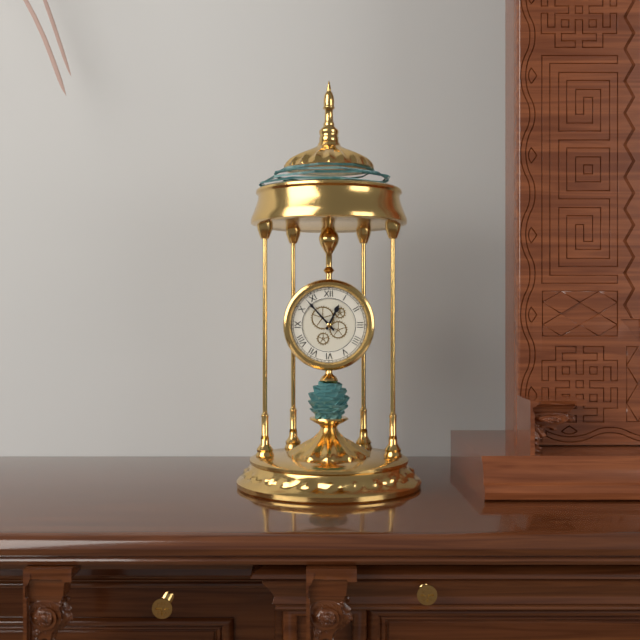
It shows 12:53
